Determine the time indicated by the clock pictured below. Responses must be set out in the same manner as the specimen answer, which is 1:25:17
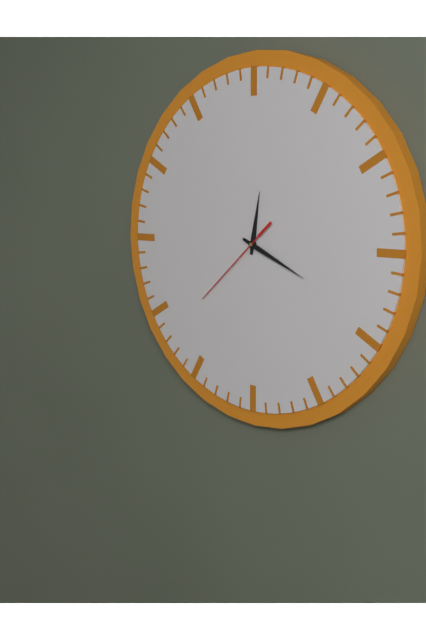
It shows 12:19:38
